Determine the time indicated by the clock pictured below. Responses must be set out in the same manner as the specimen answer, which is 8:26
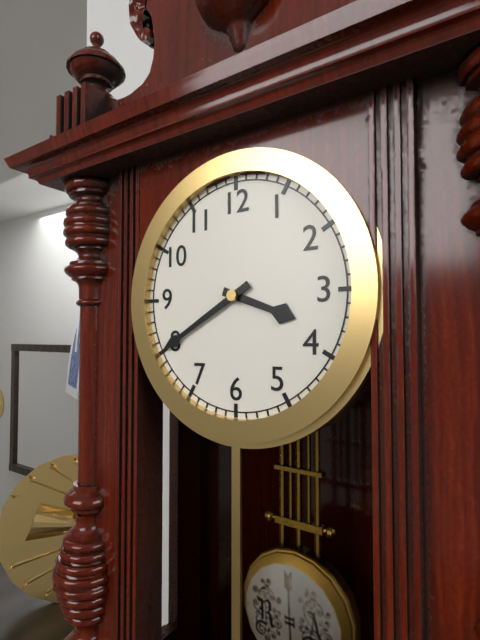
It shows 3:40
